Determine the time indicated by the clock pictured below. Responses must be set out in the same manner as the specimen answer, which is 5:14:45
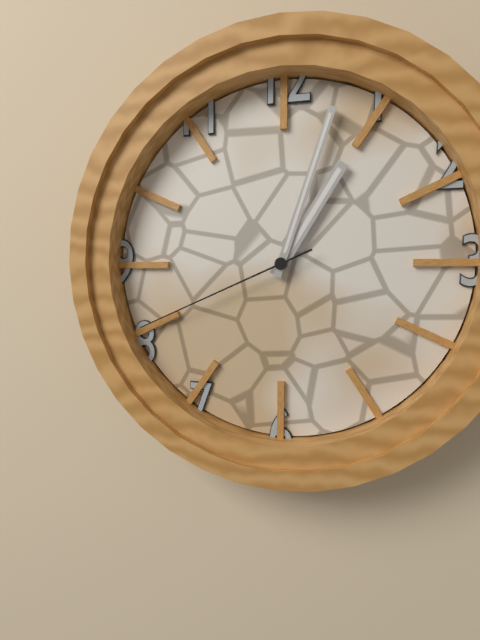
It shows 1:03:41
